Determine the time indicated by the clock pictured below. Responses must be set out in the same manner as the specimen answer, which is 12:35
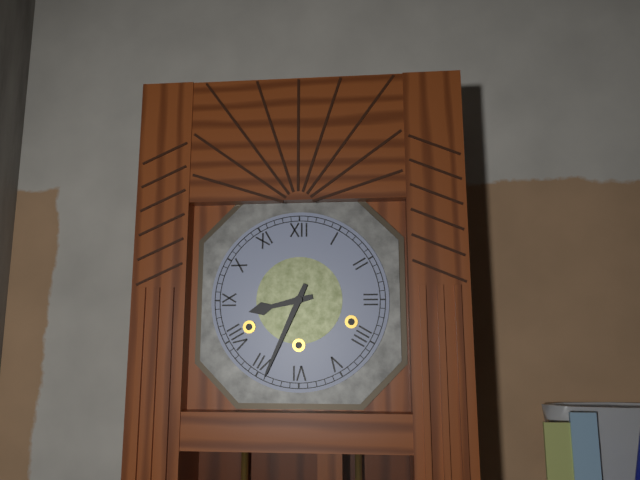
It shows 8:34
